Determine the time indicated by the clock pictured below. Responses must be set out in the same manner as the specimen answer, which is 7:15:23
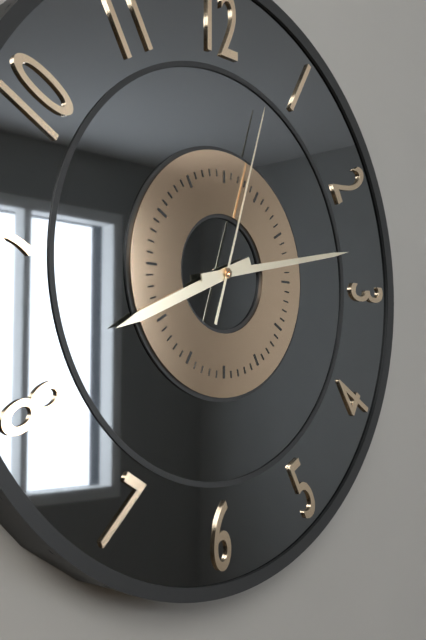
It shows 8:13:03
